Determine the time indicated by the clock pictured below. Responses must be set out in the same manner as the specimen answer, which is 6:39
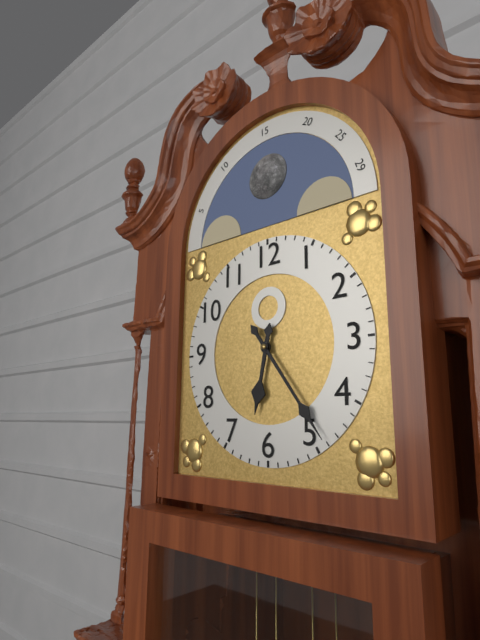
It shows 6:24
